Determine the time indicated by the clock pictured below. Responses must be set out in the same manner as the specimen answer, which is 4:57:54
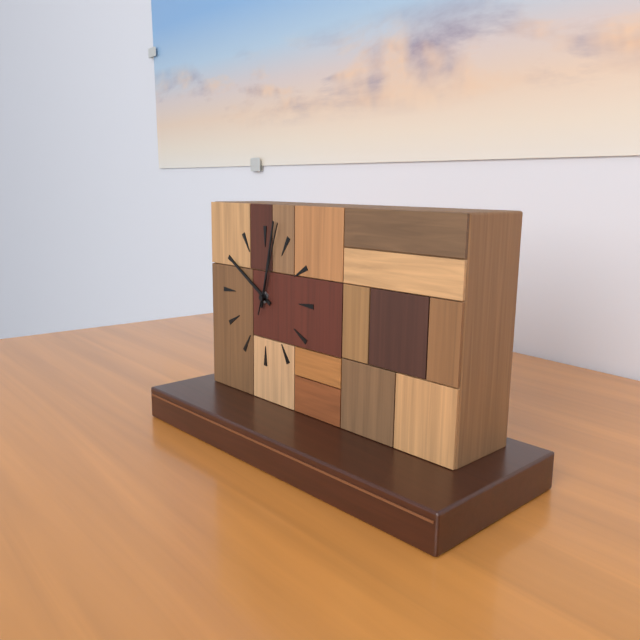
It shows 10:02:03
